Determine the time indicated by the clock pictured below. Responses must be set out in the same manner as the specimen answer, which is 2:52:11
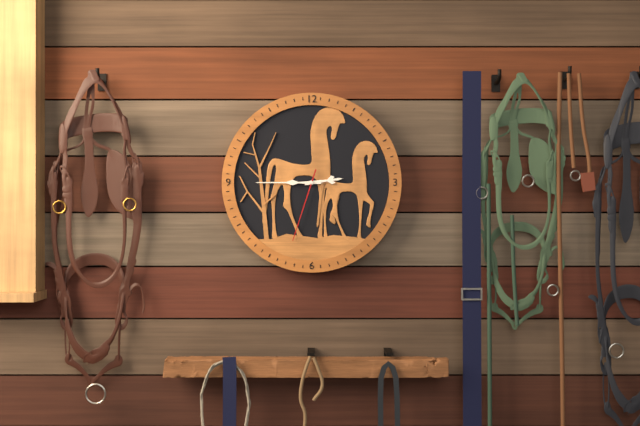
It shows 2:45:33
